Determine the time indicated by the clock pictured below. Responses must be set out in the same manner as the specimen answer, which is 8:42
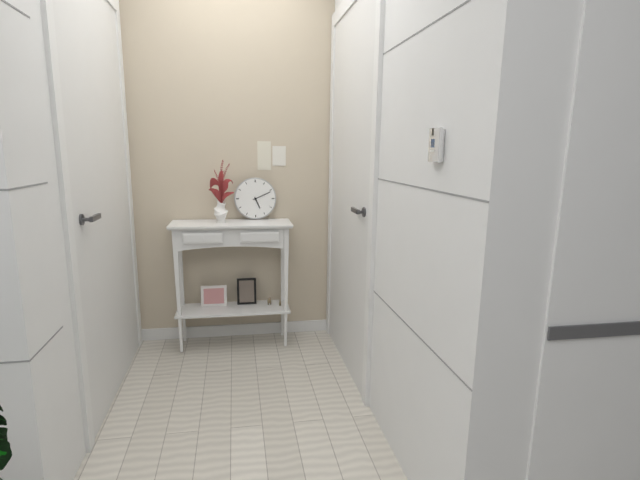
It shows 5:11
